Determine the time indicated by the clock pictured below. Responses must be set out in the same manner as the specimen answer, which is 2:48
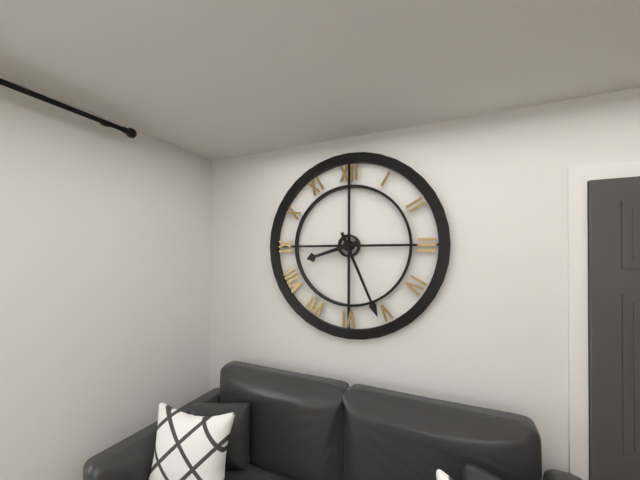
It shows 8:26
